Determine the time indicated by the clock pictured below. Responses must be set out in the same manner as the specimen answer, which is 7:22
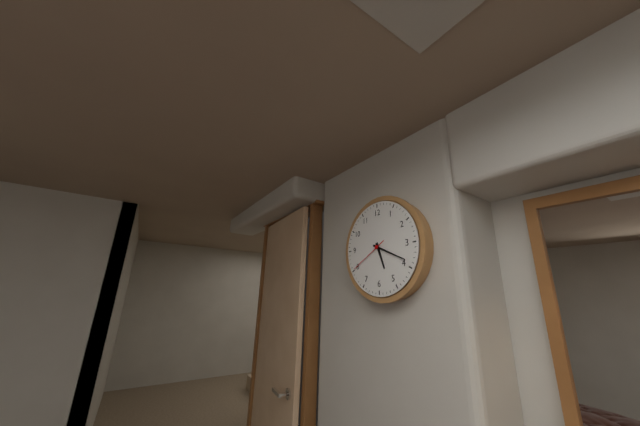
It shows 5:19
